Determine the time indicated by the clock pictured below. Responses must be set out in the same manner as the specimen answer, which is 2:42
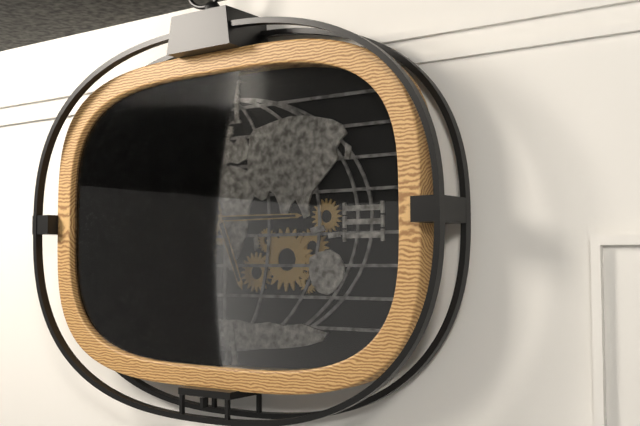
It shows 5:15
